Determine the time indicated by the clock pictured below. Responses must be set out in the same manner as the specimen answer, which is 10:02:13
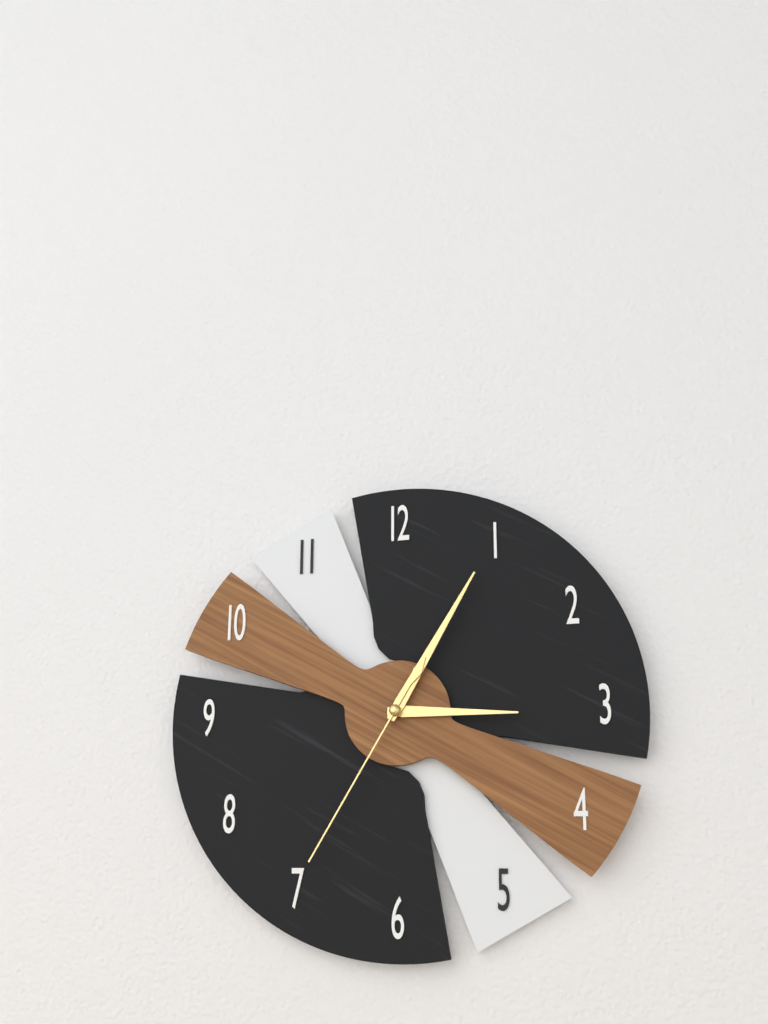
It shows 3:05:35
